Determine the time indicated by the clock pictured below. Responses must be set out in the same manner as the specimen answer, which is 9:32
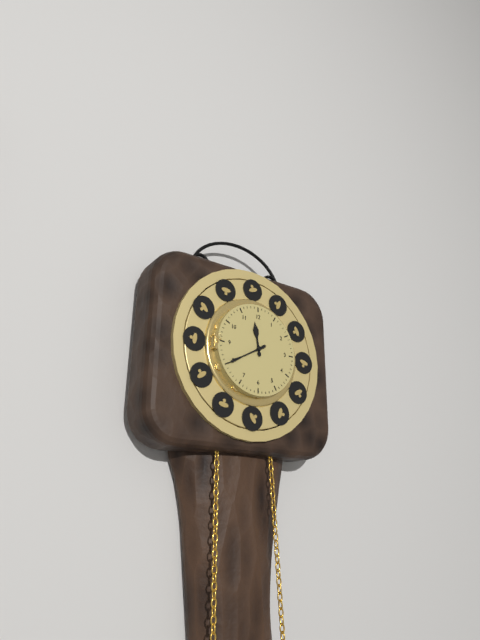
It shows 11:40
